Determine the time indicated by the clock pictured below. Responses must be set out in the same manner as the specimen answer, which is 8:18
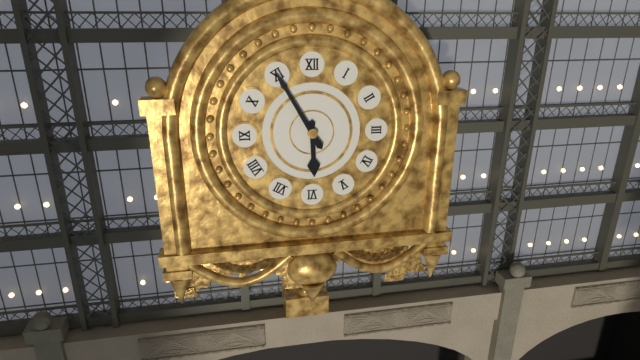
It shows 5:55
